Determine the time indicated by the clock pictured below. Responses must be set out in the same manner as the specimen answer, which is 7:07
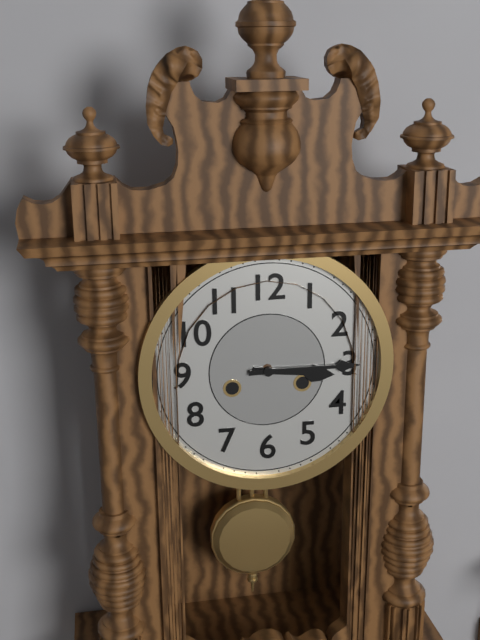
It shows 3:15
